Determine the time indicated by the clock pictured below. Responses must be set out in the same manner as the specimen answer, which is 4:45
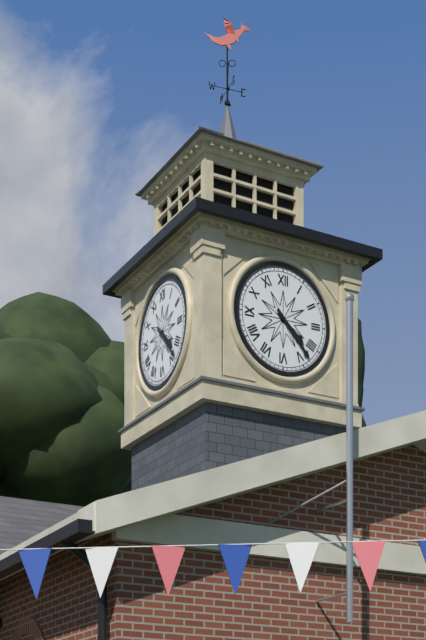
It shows 4:23
